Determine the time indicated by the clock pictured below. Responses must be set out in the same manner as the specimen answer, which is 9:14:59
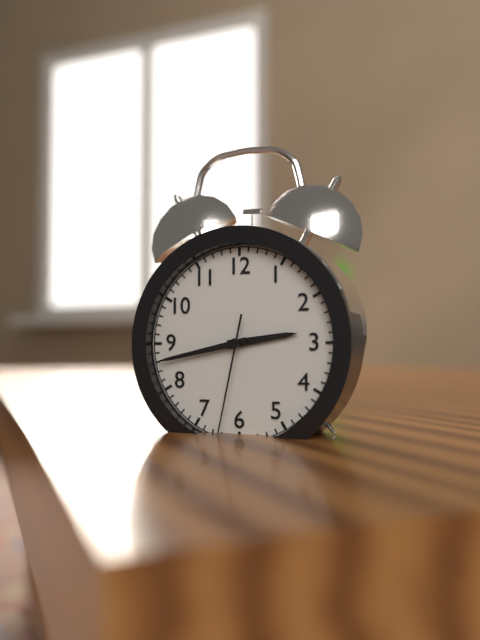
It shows 2:43:32
